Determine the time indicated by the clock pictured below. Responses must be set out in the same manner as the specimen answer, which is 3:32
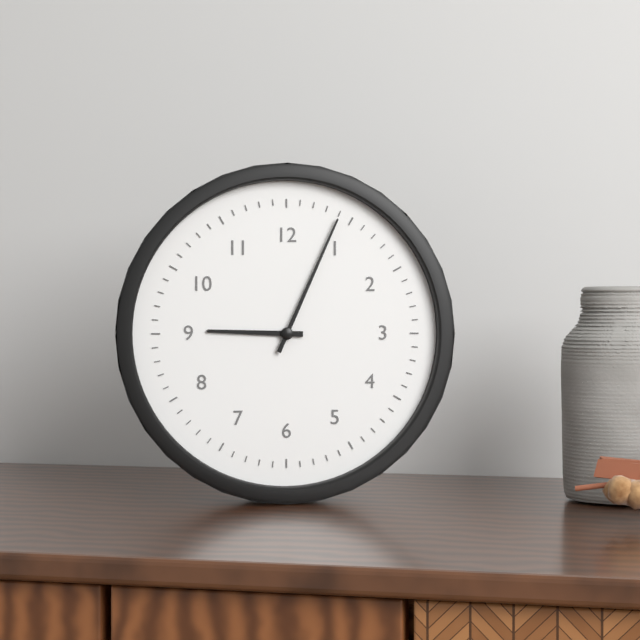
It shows 9:04
